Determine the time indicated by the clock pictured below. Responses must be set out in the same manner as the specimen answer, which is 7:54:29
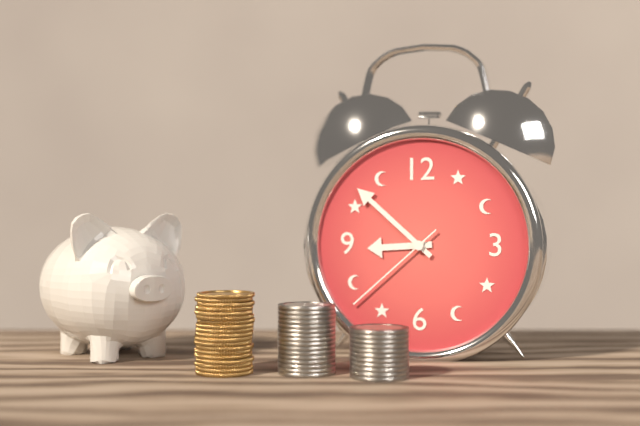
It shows 8:52:38
